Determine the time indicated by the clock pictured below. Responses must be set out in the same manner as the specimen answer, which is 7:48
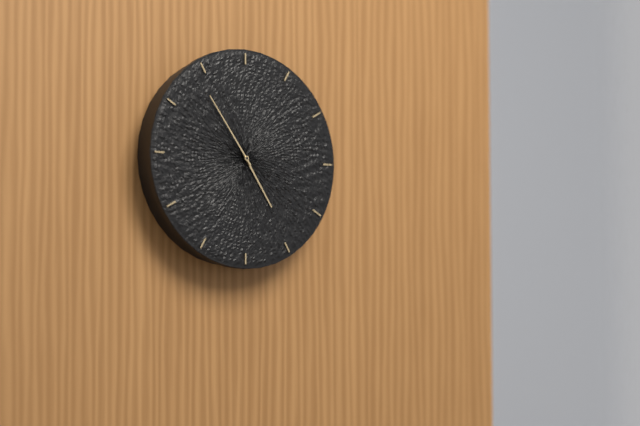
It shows 4:54
